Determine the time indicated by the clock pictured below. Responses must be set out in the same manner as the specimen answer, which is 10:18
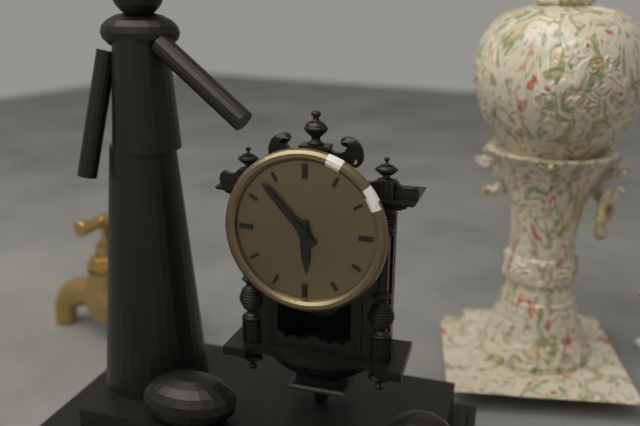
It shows 5:53
